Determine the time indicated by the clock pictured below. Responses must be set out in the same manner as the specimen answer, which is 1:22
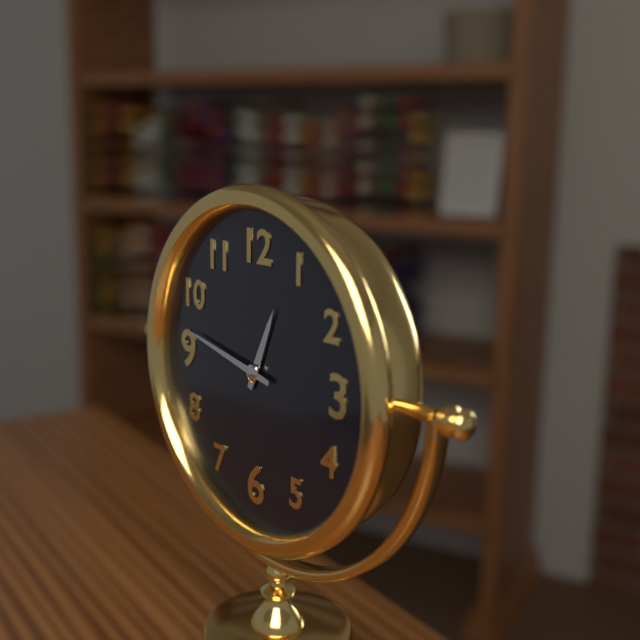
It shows 12:47
